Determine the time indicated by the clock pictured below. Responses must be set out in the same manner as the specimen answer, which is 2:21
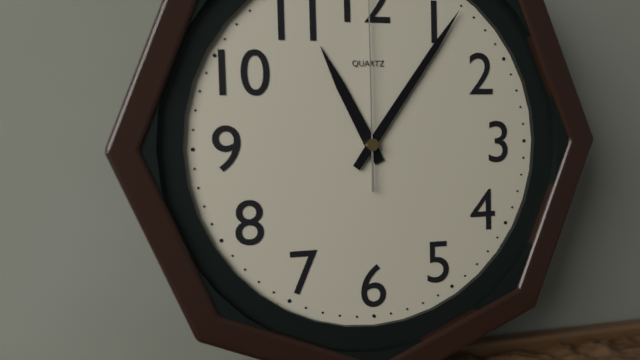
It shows 11:06
